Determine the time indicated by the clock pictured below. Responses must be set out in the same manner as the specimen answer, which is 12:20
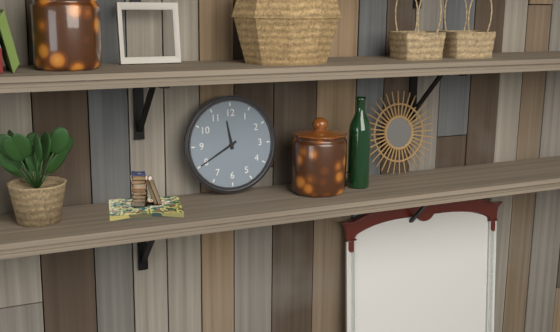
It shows 11:40
